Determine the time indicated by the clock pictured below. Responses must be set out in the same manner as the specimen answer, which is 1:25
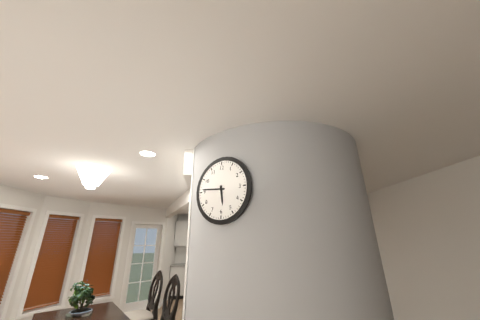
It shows 5:46
